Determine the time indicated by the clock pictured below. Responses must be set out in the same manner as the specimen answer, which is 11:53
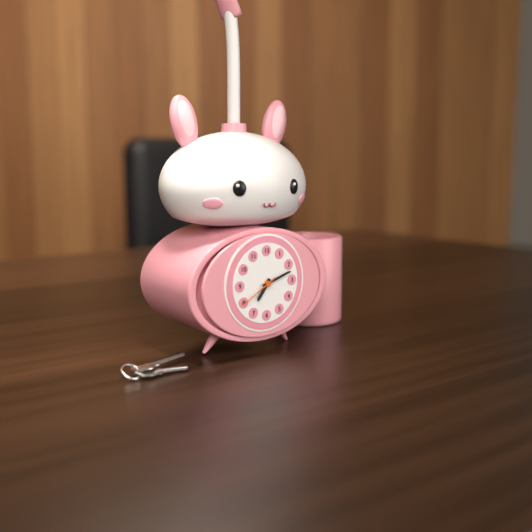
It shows 7:12
